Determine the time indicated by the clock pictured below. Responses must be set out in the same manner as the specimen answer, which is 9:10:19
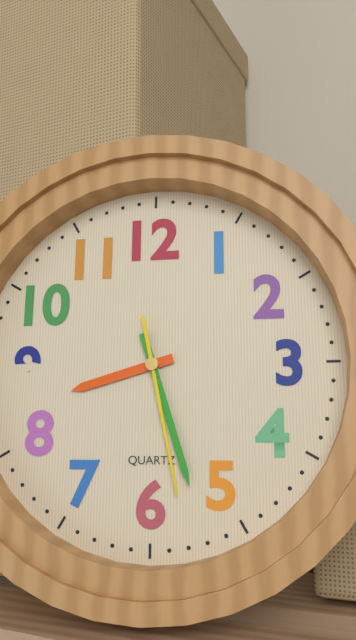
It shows 8:27:28
